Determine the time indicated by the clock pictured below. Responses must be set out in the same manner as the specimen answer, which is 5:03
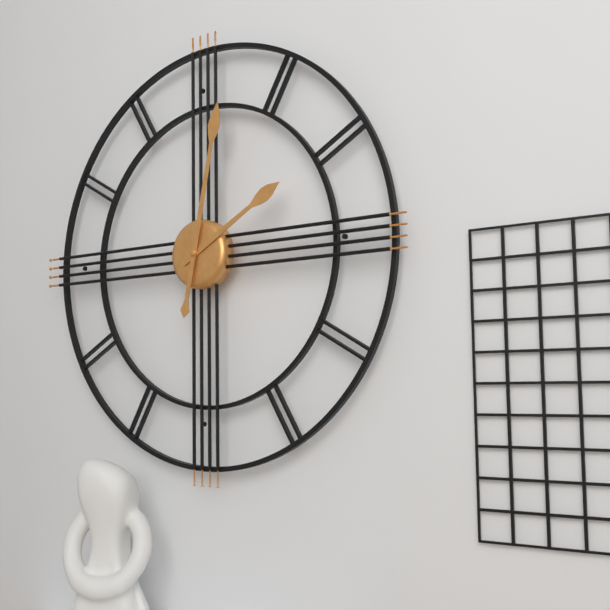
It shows 2:02
